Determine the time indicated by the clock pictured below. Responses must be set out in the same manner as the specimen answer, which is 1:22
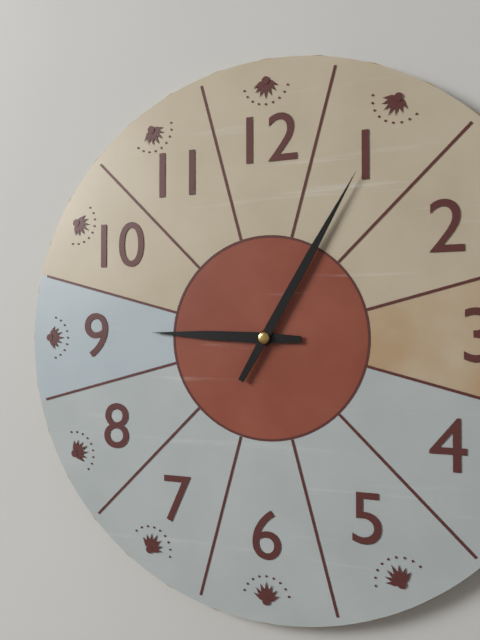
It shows 9:05
